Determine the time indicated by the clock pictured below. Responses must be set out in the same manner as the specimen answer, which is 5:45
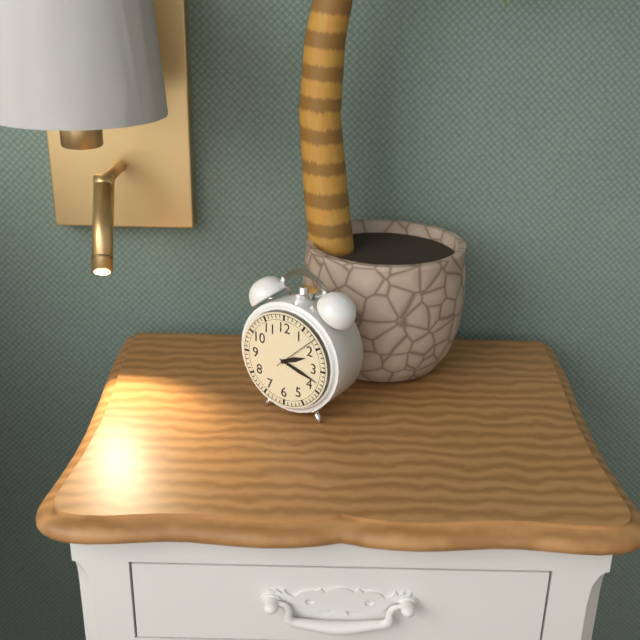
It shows 2:18
